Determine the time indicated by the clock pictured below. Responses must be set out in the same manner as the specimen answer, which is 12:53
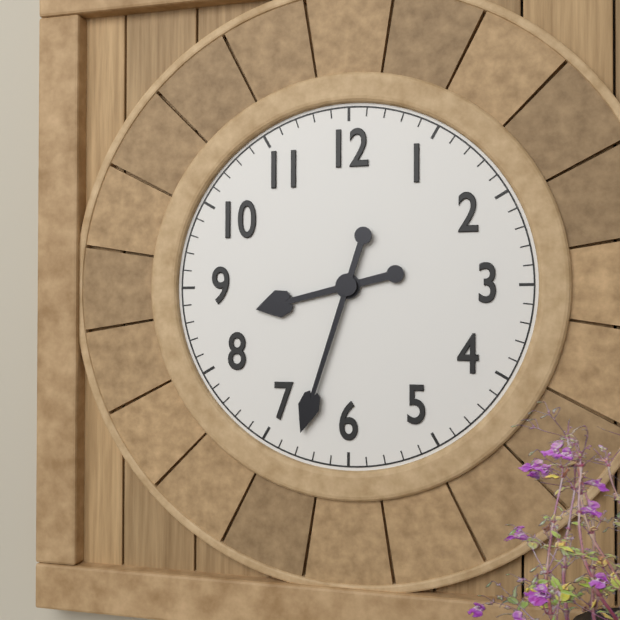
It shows 8:33
